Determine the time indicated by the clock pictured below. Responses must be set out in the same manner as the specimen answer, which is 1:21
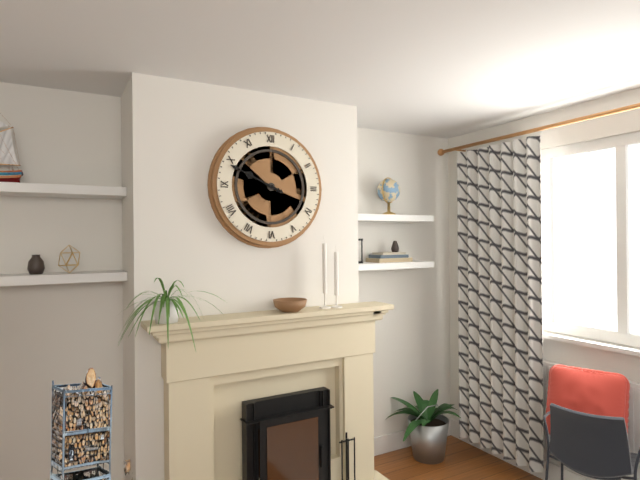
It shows 9:49
